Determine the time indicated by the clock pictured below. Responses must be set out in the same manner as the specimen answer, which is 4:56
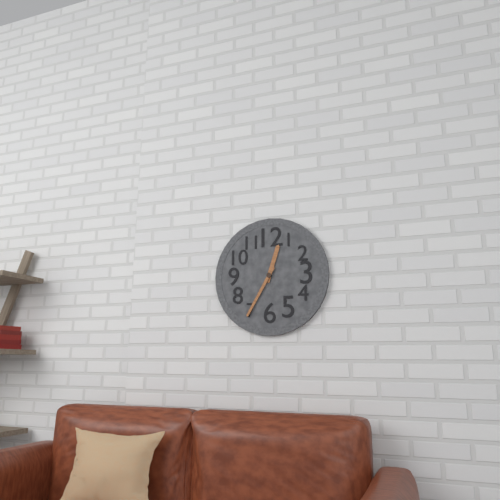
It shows 12:35
